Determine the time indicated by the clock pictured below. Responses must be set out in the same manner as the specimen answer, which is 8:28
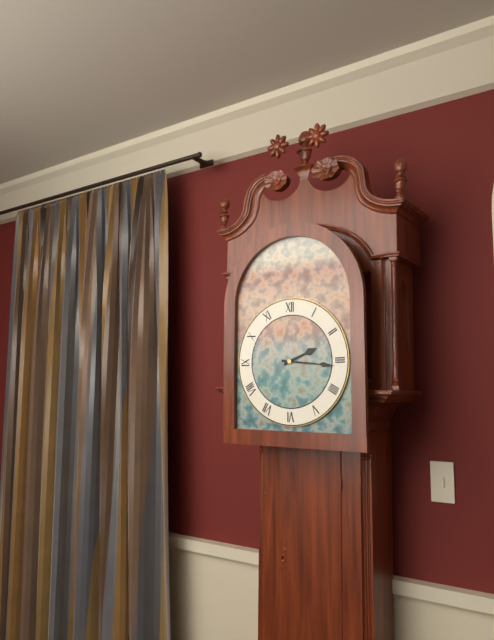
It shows 2:16
